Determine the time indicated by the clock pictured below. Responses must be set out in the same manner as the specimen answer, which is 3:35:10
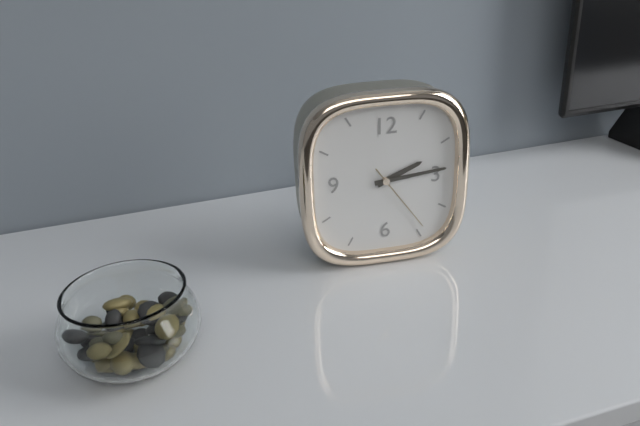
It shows 2:14:24
